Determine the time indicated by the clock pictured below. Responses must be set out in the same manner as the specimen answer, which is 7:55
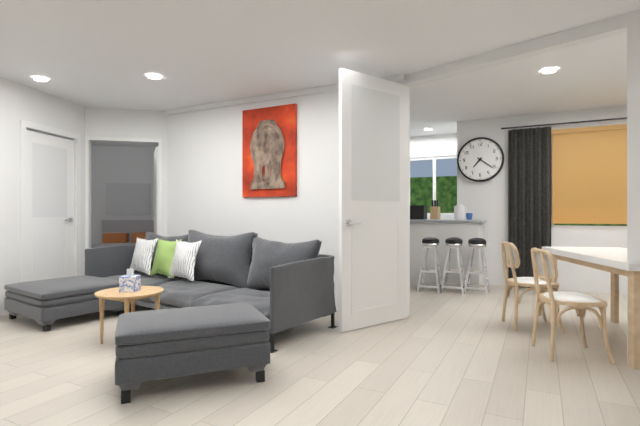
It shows 7:21
